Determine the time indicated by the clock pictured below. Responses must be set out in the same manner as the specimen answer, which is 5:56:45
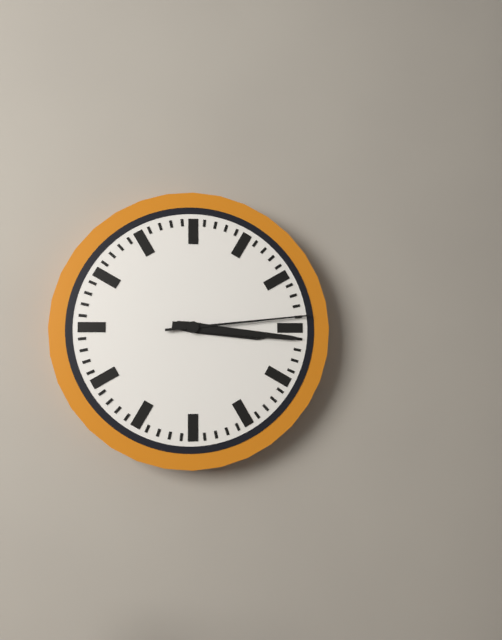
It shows 3:16:14
